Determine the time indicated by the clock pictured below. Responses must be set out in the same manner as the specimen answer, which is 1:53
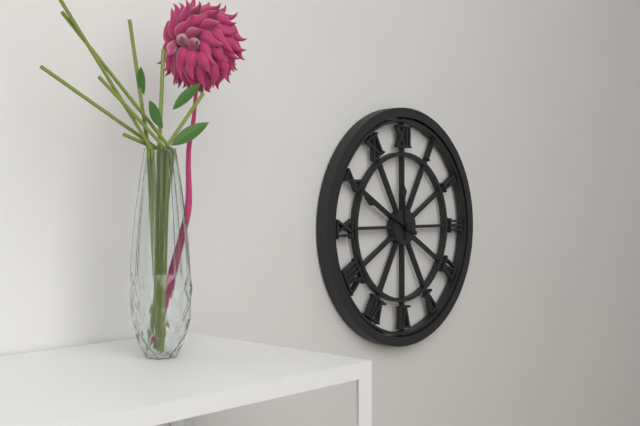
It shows 11:49
